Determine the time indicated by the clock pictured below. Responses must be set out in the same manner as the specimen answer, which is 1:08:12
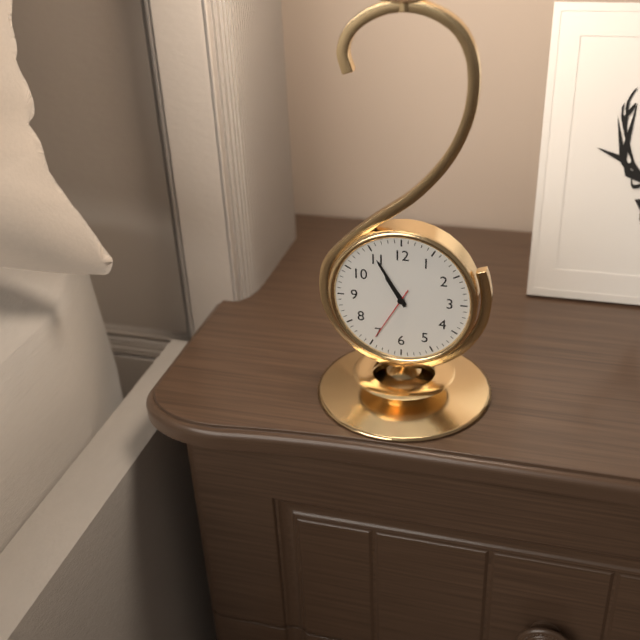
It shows 10:55:35
